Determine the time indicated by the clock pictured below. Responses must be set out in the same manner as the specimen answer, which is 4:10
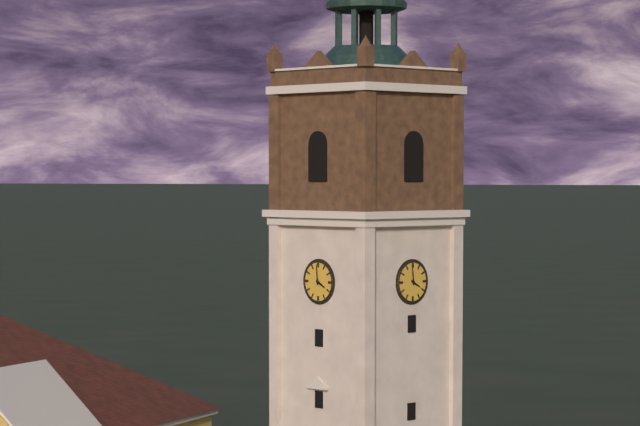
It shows 3:59
